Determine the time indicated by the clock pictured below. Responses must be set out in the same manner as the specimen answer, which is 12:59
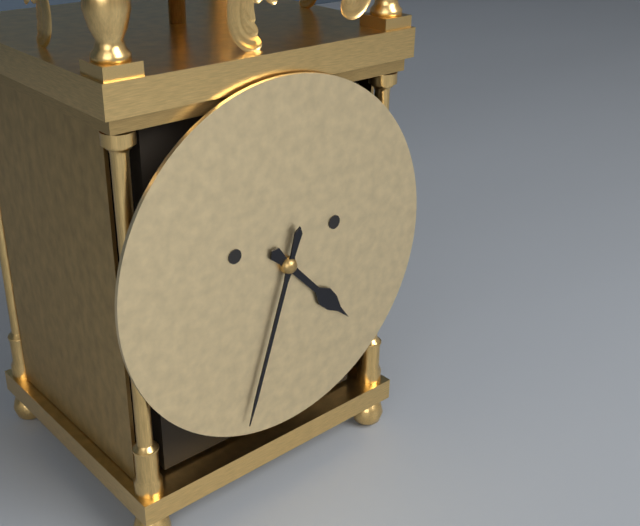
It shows 4:33
